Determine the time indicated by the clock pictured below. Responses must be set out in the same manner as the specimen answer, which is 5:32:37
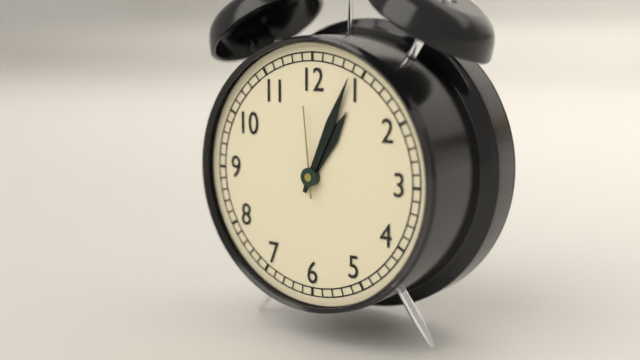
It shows 1:04:59
